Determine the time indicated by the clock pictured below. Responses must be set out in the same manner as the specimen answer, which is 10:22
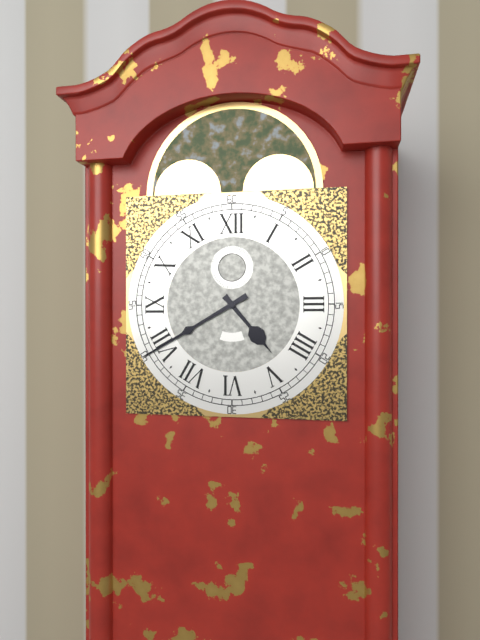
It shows 4:40
